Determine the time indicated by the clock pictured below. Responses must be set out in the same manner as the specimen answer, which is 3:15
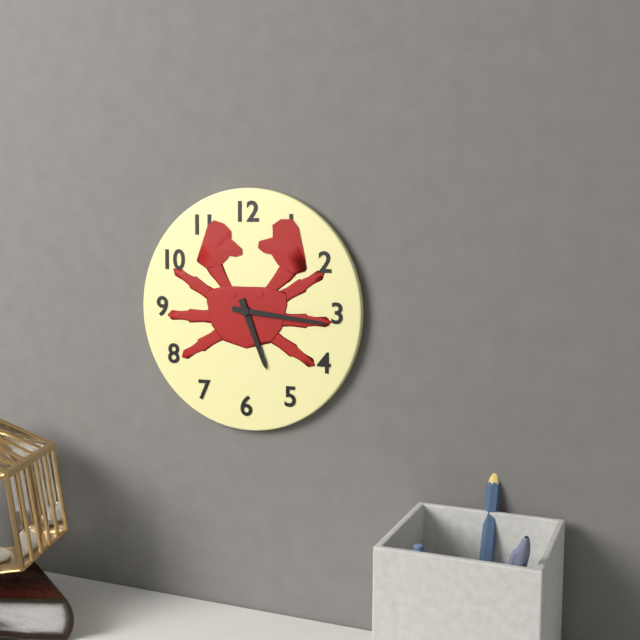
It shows 5:16
